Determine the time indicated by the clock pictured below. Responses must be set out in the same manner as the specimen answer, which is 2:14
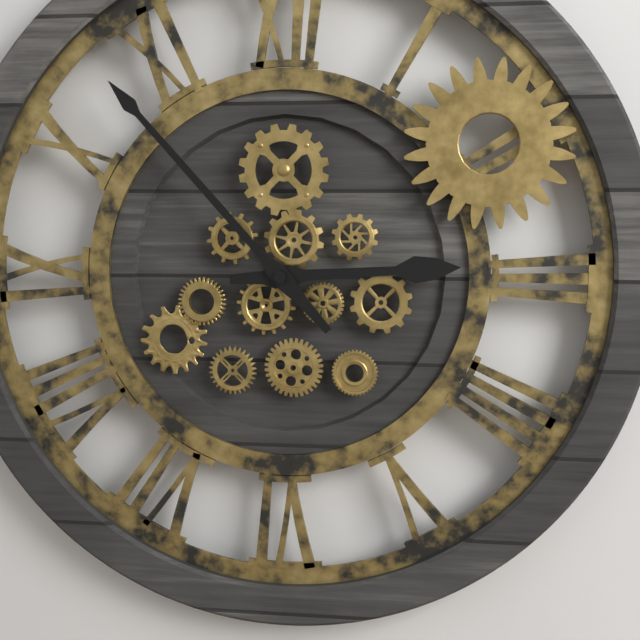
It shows 2:53
